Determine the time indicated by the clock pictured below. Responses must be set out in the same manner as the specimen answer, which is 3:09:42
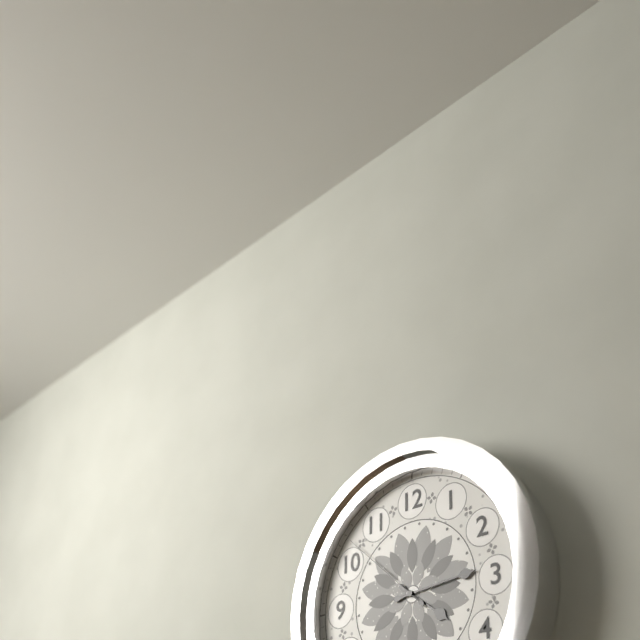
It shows 4:14:52
